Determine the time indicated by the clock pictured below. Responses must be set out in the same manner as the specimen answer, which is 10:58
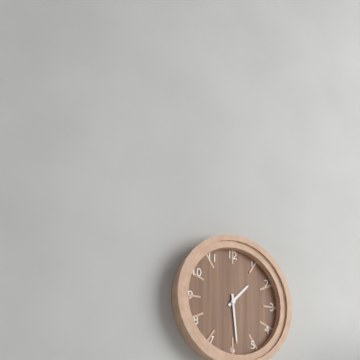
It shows 1:29
